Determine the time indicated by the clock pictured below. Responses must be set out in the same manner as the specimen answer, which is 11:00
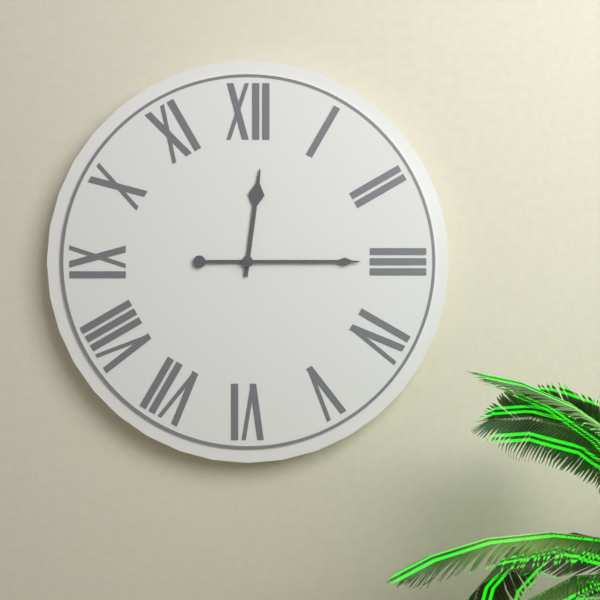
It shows 12:15
